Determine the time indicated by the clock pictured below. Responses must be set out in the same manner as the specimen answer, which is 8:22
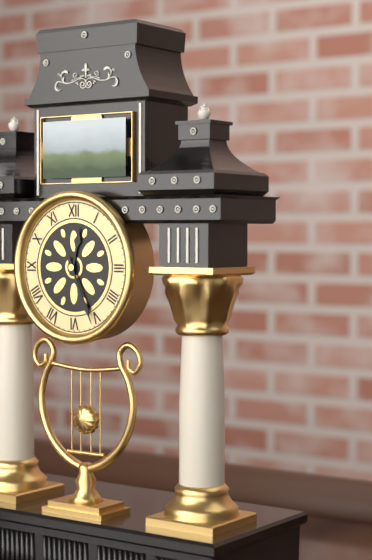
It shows 12:26
